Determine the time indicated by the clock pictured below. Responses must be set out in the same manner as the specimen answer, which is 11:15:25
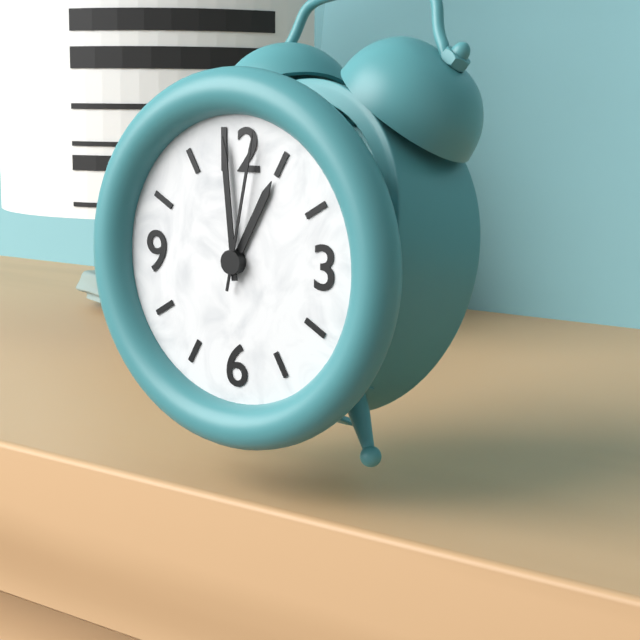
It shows 12:59:02
